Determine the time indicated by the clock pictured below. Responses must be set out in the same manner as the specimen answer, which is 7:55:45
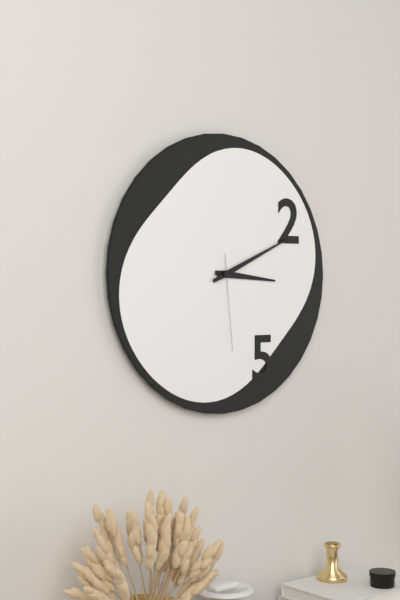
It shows 3:11:29
